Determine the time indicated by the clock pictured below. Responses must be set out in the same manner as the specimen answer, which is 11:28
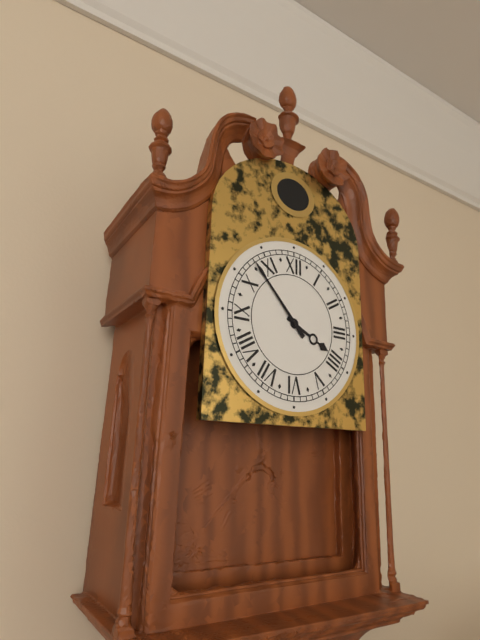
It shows 3:53
